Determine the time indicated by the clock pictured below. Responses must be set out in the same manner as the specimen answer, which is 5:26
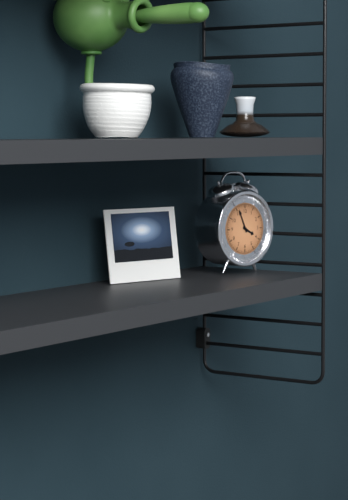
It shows 3:56
